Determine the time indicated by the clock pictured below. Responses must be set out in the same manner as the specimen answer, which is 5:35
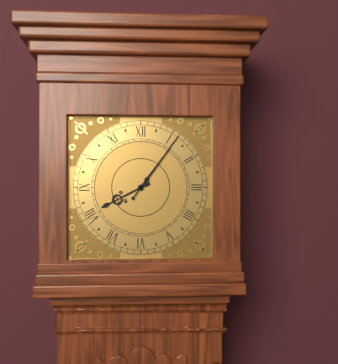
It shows 8:06
